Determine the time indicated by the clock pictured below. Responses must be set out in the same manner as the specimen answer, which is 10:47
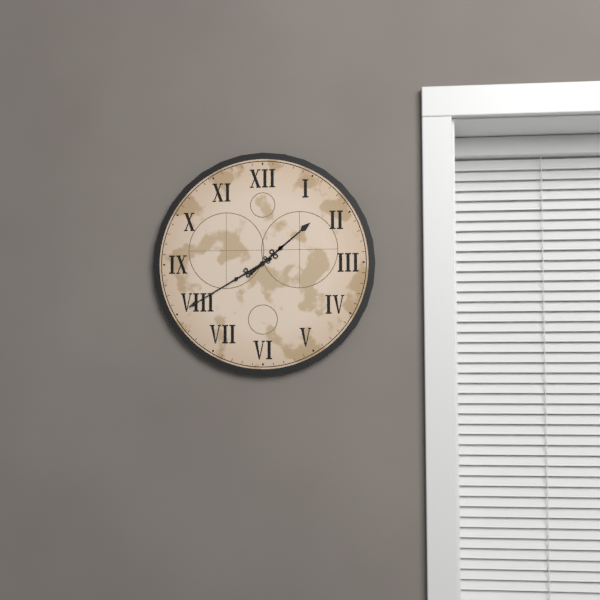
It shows 1:40
